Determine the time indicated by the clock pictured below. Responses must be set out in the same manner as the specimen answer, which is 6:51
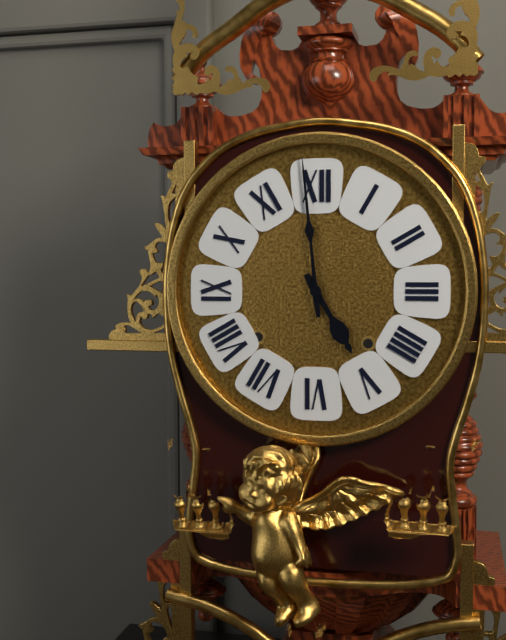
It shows 4:59
